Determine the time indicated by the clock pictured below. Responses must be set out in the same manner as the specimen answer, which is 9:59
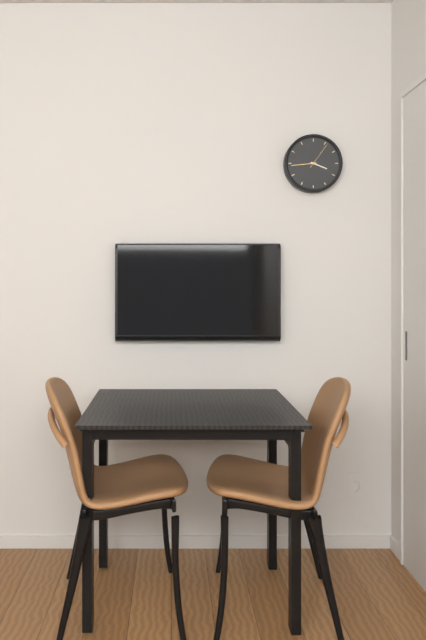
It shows 3:44
